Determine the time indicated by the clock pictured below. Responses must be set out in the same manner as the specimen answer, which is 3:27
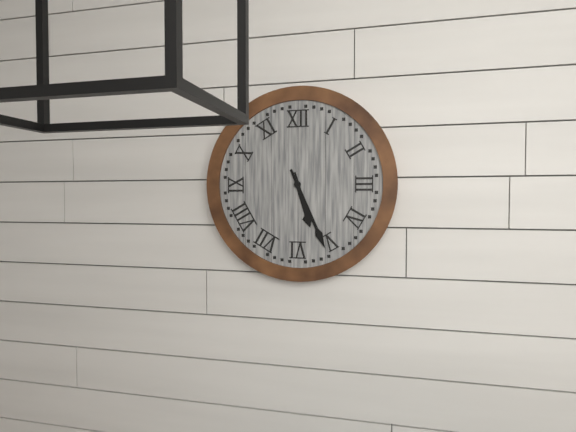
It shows 5:26
